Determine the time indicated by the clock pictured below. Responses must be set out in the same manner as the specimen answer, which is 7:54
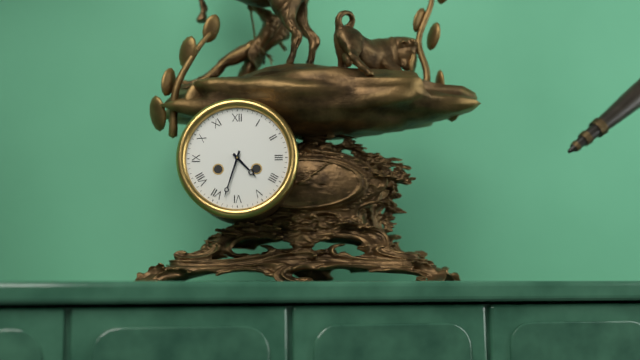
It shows 4:33
